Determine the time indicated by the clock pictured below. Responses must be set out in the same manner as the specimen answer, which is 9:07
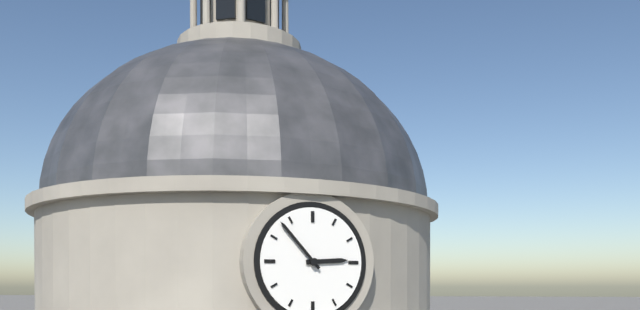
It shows 2:53
